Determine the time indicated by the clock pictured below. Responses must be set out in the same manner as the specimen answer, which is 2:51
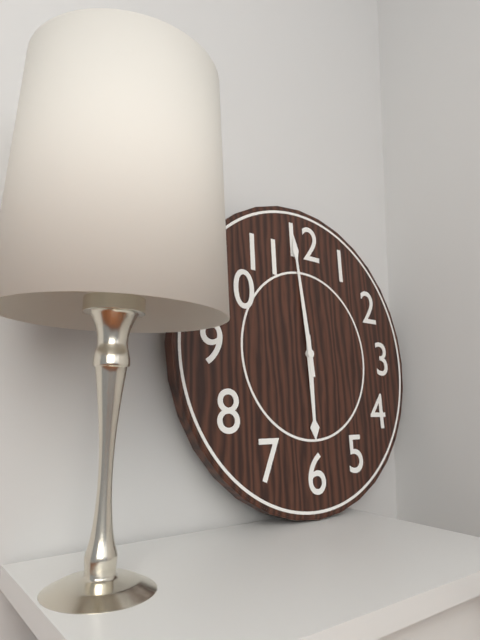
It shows 5:59
